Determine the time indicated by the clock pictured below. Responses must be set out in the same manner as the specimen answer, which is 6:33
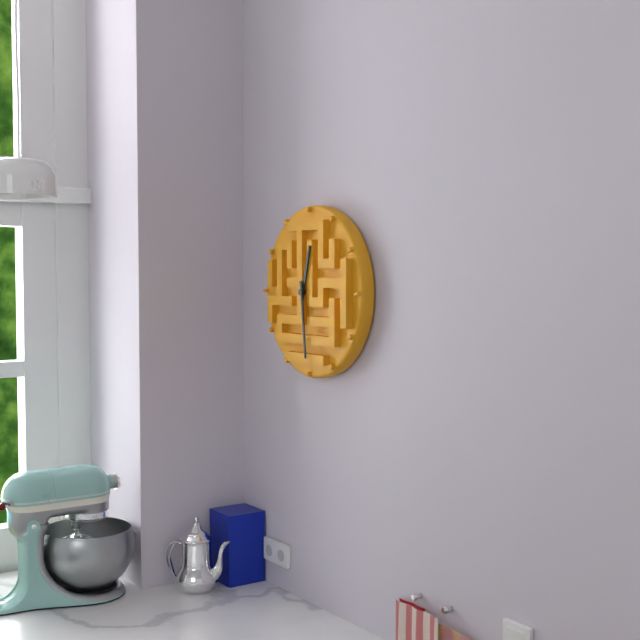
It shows 12:29
